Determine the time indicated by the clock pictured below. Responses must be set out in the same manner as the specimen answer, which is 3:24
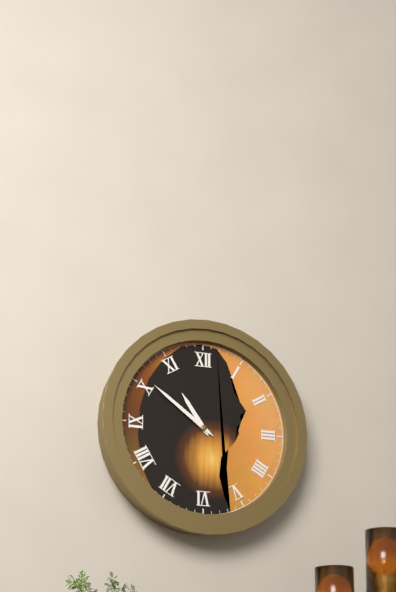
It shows 10:51
